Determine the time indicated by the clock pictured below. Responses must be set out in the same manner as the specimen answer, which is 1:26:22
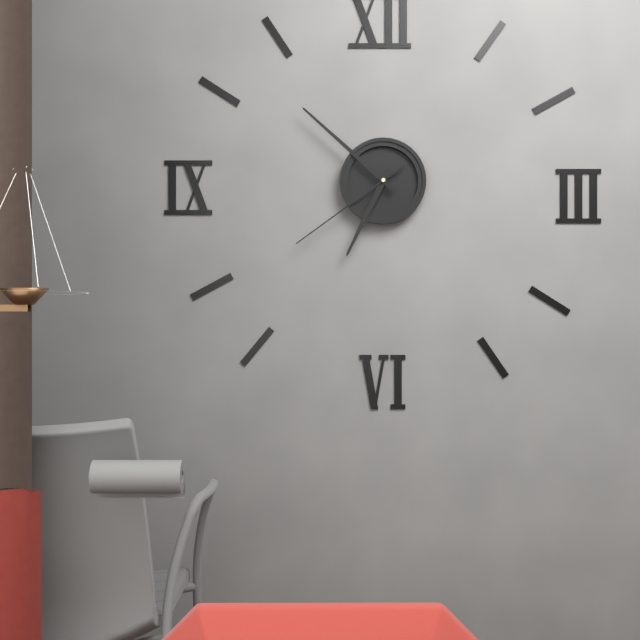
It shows 6:52:39
